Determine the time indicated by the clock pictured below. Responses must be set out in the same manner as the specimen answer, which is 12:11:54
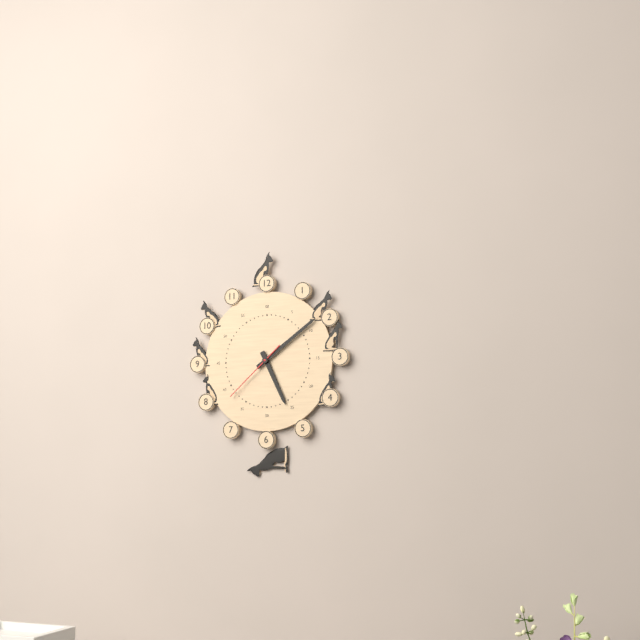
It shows 5:09:38
